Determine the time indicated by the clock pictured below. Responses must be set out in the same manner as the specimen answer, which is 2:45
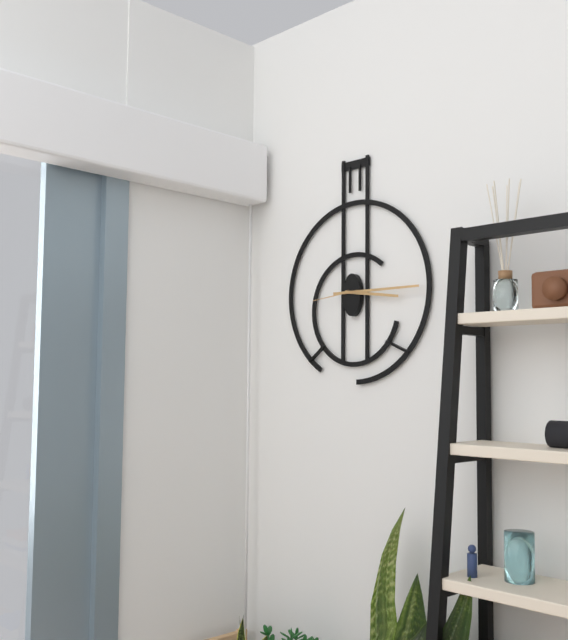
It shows 3:15
